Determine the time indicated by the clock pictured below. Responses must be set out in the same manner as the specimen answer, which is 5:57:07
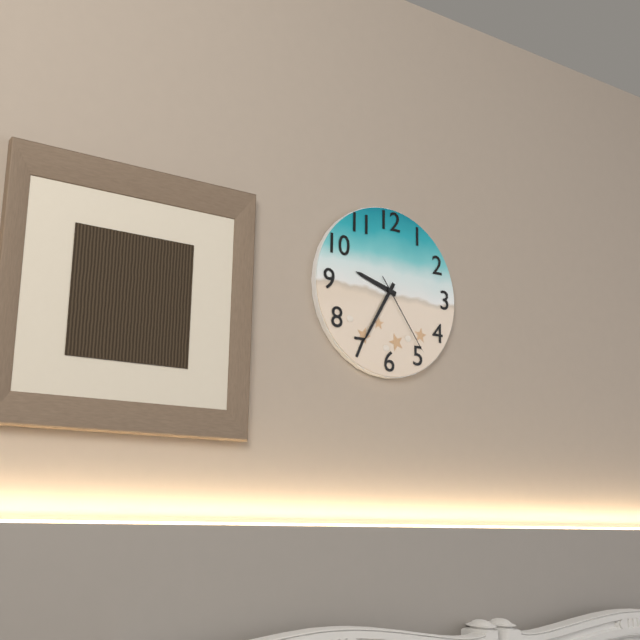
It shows 9:35:24
